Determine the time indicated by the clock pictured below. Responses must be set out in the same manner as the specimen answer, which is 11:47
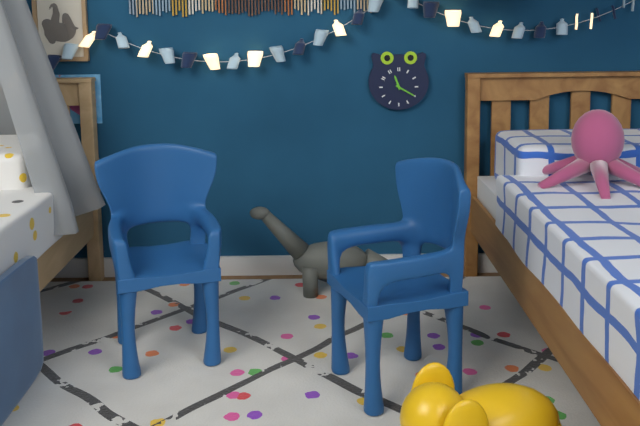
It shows 11:20
